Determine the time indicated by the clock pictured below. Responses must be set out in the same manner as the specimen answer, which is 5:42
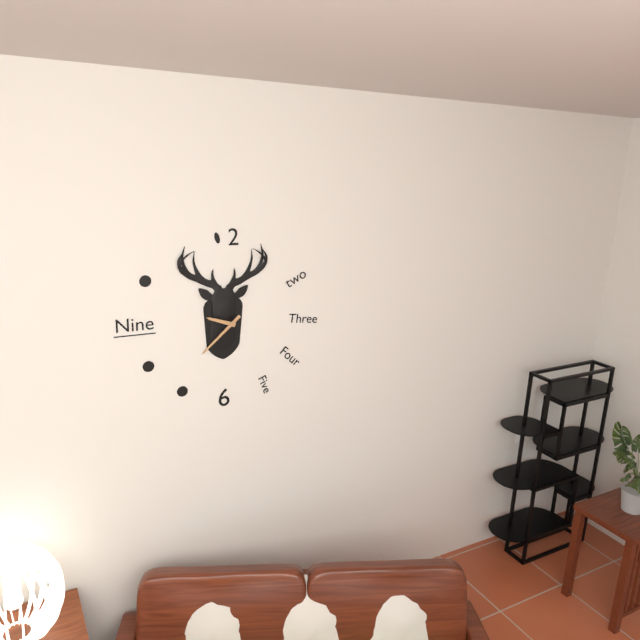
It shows 9:38
